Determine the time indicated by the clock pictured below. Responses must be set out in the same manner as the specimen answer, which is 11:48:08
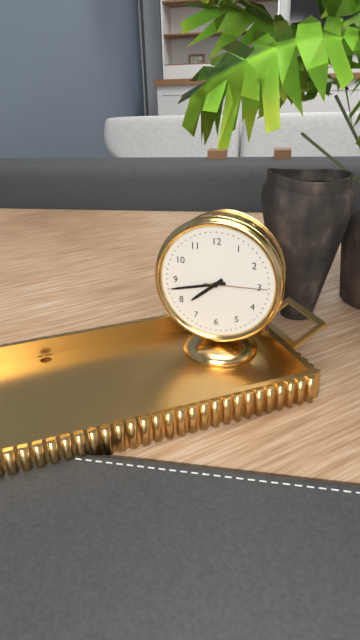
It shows 7:43:15
